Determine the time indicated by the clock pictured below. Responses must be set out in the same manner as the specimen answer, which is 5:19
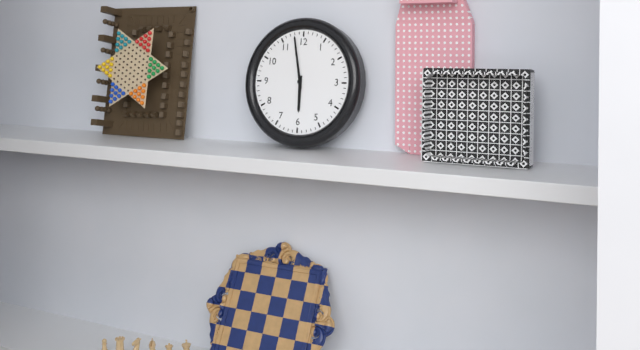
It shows 5:58
